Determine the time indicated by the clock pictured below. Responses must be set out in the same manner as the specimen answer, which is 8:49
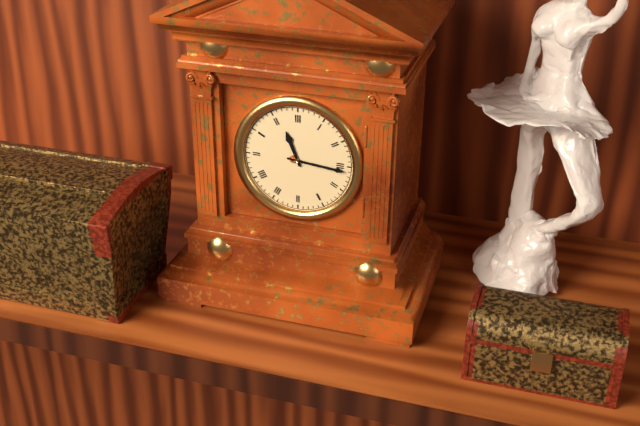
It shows 11:16
